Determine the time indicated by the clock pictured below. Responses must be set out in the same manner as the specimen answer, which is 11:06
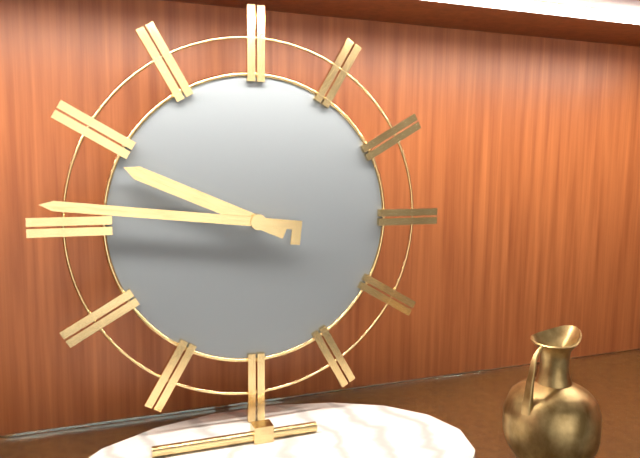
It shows 9:46
